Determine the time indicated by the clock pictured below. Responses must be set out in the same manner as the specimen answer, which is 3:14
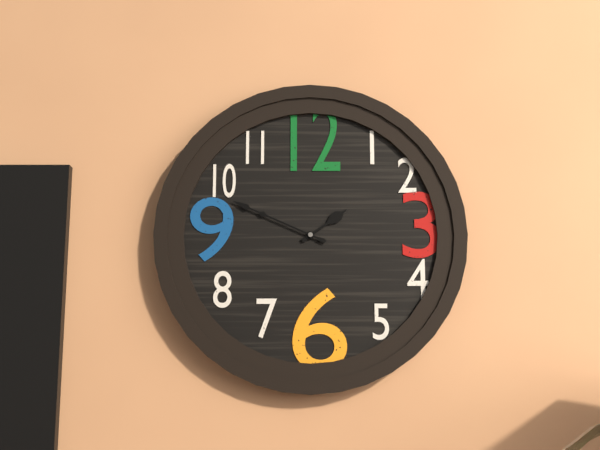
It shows 1:49
